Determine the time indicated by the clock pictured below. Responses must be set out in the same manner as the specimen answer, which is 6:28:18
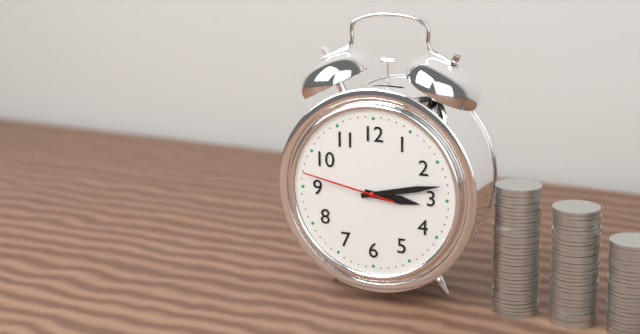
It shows 3:13:47
